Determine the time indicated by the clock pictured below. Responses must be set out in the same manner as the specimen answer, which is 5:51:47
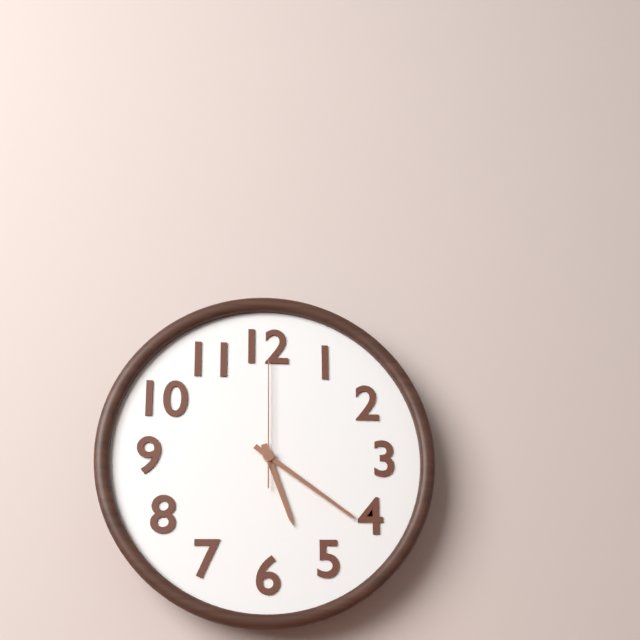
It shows 5:21:00
